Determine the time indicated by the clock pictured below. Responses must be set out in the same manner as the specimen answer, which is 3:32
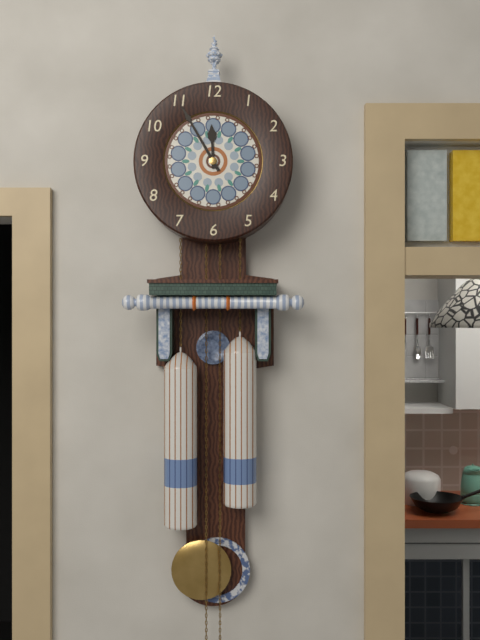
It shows 11:55
